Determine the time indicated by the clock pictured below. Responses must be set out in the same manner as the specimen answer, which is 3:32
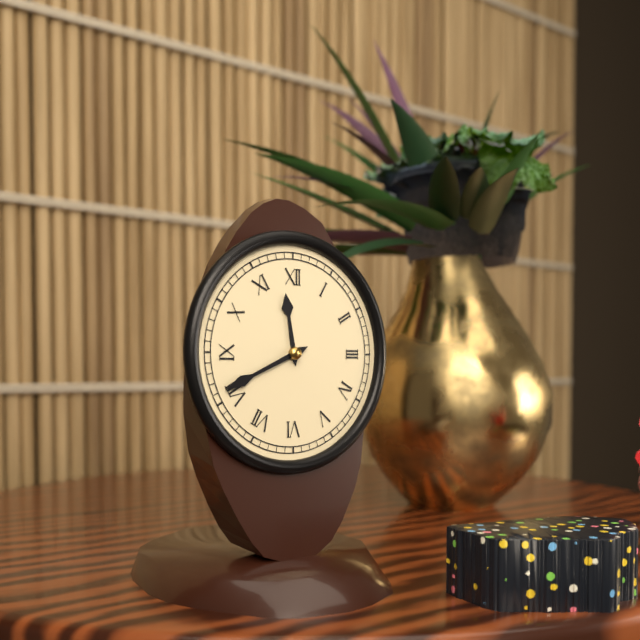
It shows 11:41
